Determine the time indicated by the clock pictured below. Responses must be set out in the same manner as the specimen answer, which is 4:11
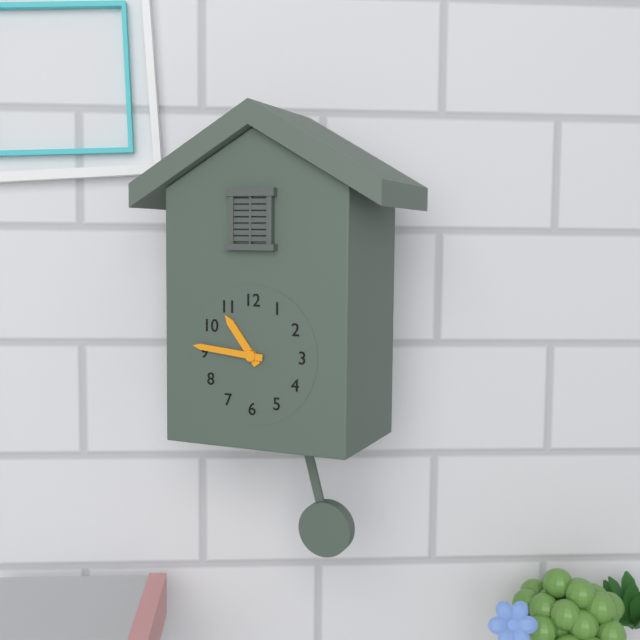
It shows 10:46
